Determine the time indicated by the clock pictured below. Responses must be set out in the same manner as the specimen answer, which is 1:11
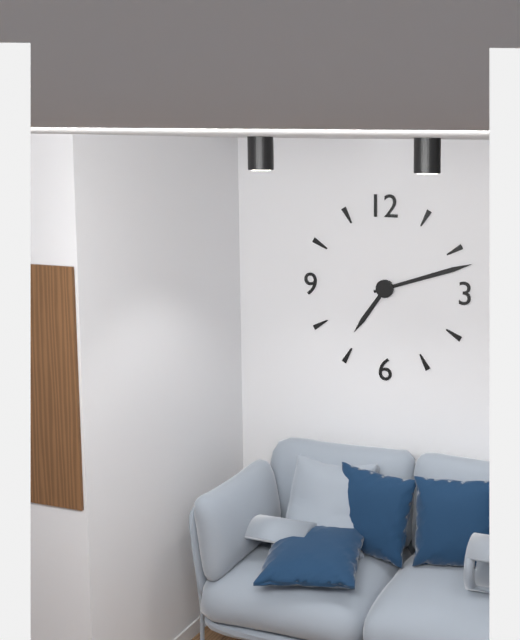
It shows 7:12
